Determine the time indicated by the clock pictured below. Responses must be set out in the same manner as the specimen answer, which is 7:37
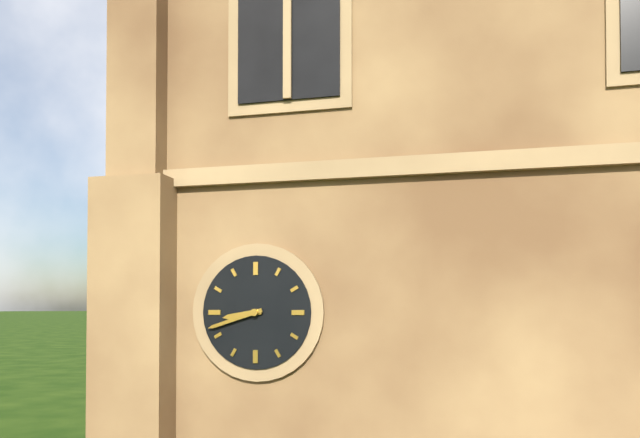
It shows 8:42
